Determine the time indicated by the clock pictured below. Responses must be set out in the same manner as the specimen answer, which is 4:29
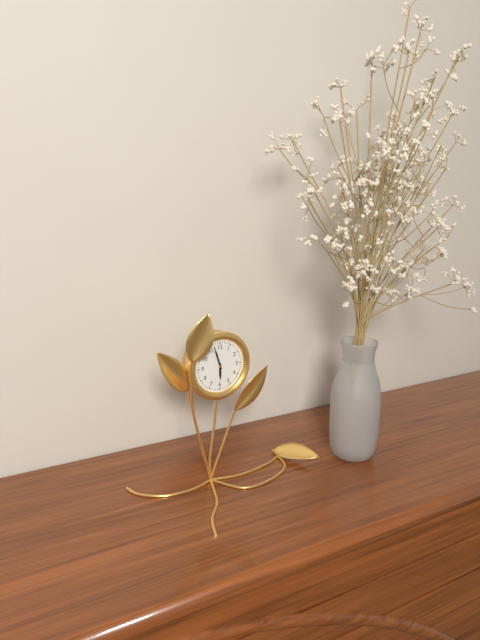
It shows 5:57
